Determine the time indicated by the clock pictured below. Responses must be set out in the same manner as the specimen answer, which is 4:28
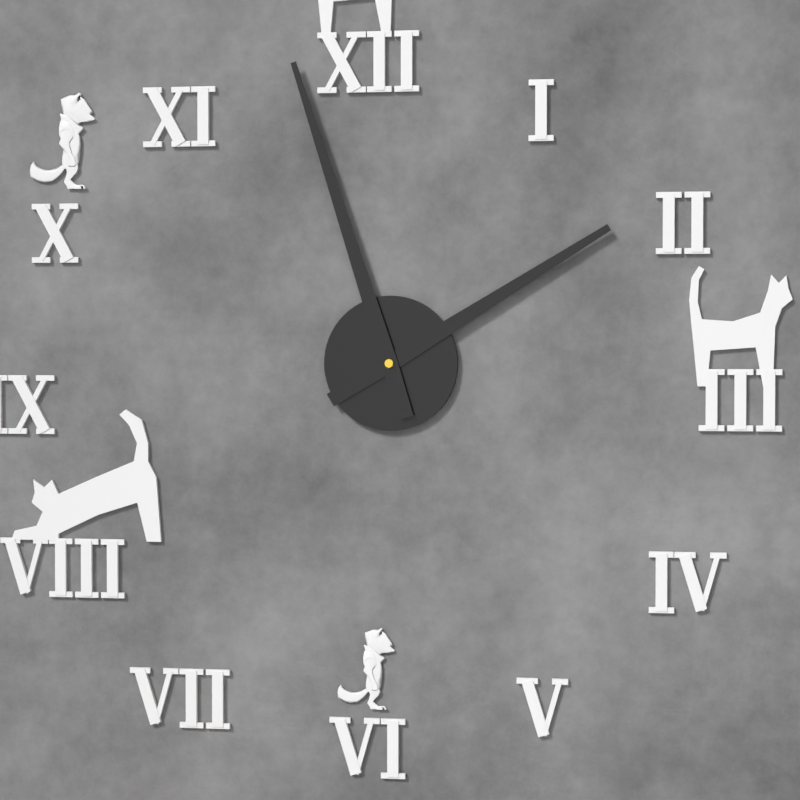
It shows 1:57
